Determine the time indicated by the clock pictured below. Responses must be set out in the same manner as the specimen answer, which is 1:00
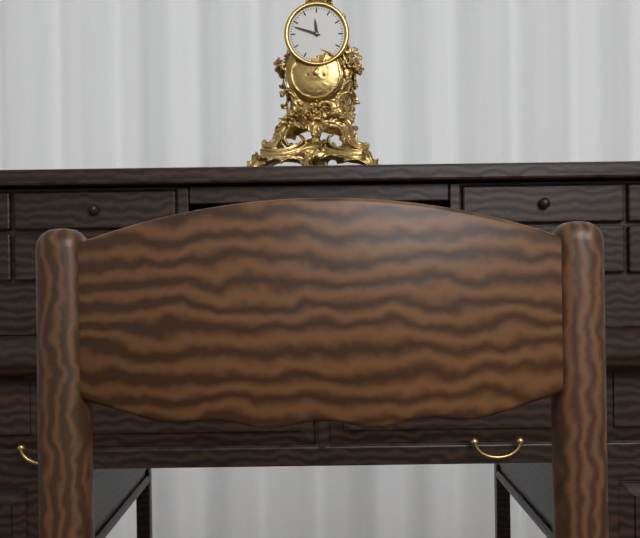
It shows 11:48
